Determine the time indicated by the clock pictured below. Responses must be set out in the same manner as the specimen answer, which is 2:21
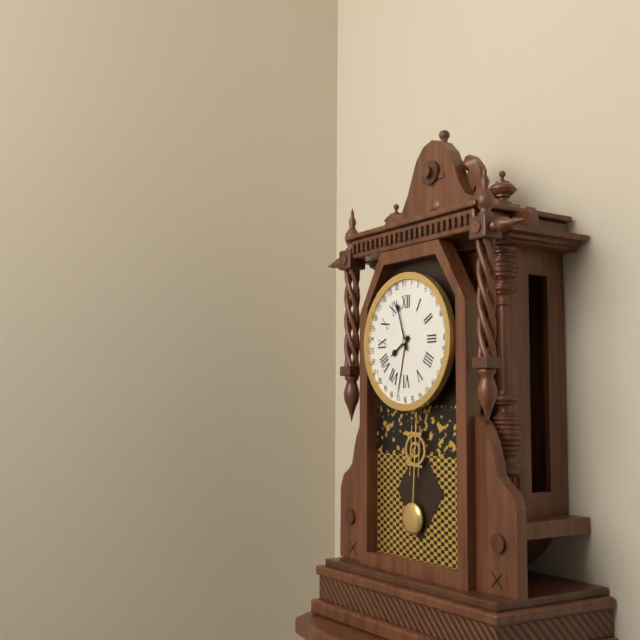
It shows 7:57
